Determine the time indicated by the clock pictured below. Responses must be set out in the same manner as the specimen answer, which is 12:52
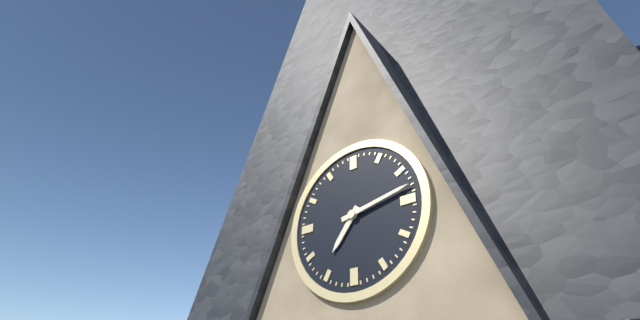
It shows 7:13
